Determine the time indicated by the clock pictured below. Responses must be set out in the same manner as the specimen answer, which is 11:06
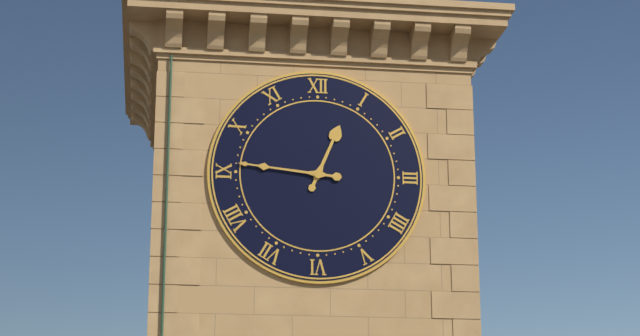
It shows 12:46
